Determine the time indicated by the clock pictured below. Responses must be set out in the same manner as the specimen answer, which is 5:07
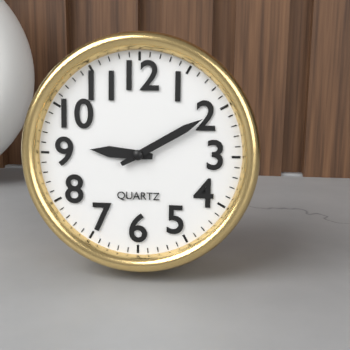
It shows 9:10
